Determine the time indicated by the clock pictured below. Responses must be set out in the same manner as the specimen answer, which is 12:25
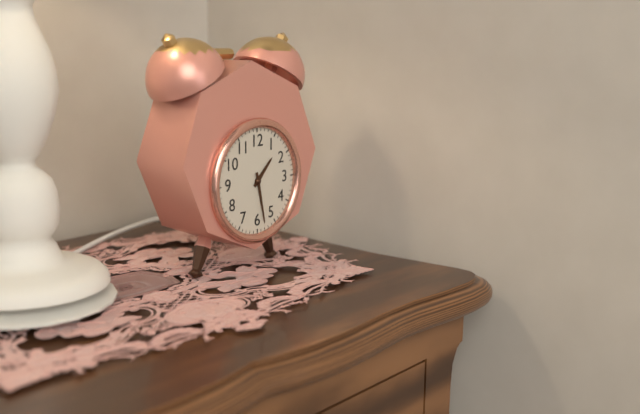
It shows 1:28
